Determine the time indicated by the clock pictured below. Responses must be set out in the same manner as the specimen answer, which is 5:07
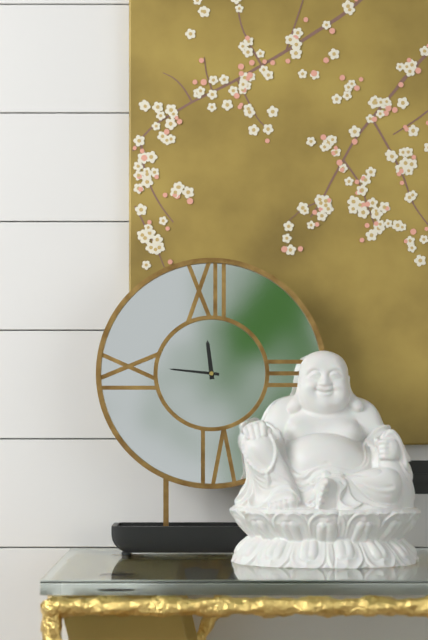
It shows 11:46
